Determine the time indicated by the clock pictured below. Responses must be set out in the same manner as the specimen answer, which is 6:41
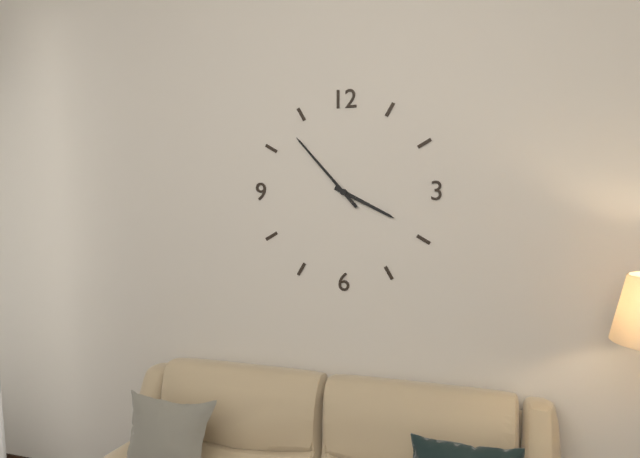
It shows 3:53
